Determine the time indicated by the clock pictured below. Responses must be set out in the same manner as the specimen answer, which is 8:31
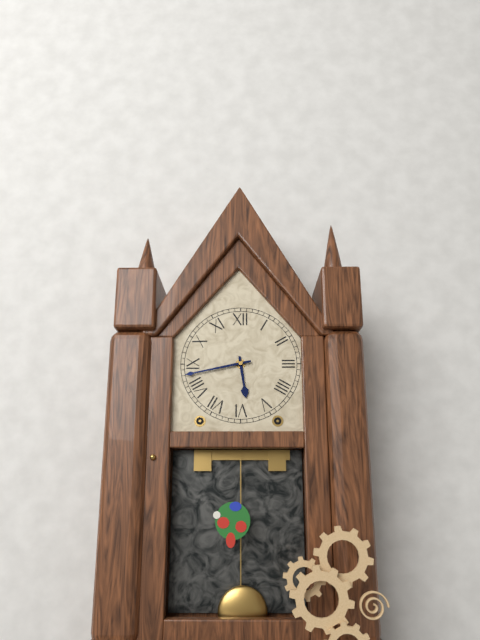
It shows 5:43
